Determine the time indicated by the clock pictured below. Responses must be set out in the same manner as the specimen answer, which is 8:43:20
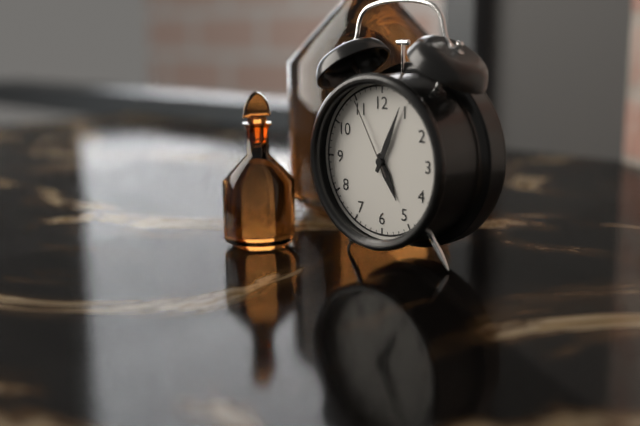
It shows 5:04:55
